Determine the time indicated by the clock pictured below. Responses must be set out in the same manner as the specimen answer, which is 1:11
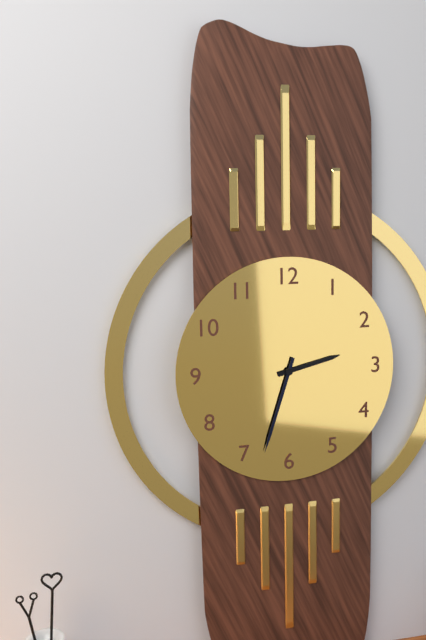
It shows 2:33
